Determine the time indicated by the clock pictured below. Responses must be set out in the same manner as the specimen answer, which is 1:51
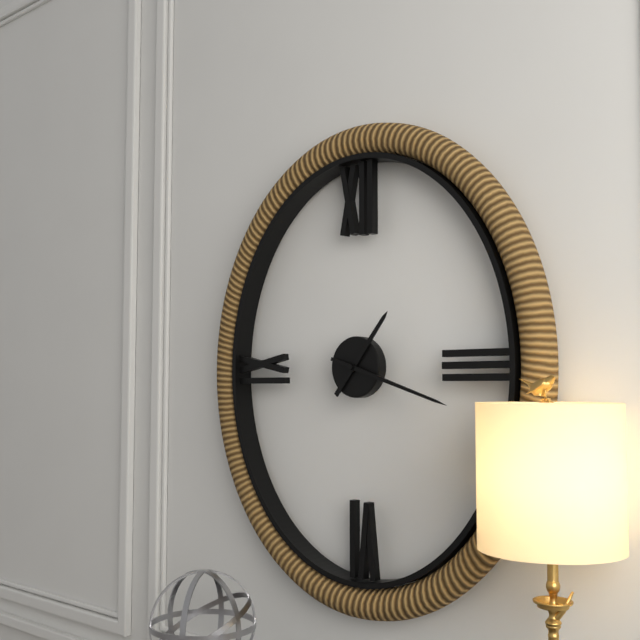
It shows 1:18
